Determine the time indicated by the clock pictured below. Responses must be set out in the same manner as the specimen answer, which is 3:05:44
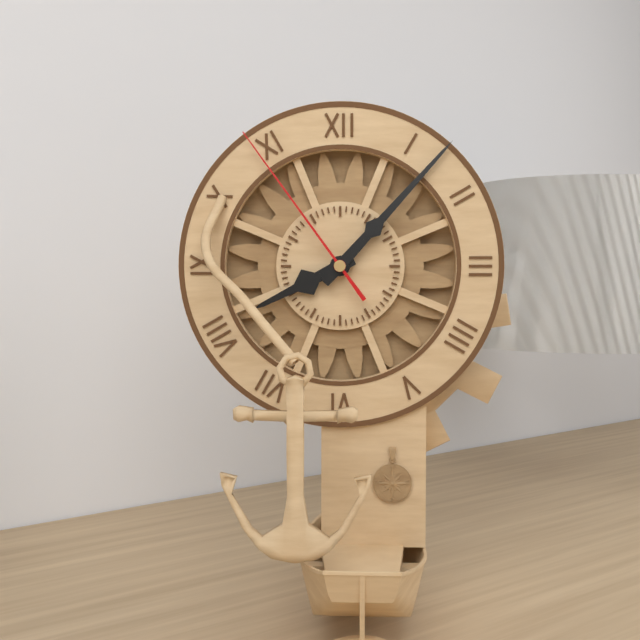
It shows 8:07:54
